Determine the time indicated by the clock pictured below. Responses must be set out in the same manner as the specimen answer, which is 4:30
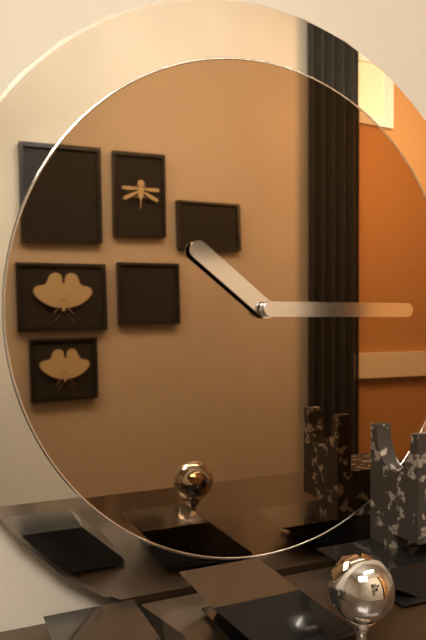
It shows 10:15
